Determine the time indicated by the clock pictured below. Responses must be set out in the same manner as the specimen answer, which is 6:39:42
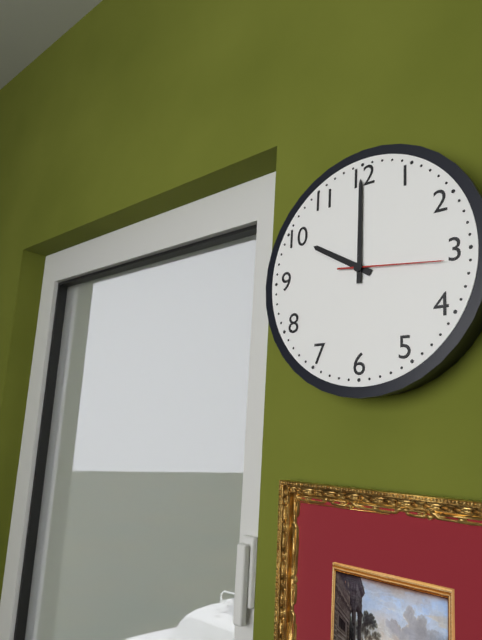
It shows 10:00:16
